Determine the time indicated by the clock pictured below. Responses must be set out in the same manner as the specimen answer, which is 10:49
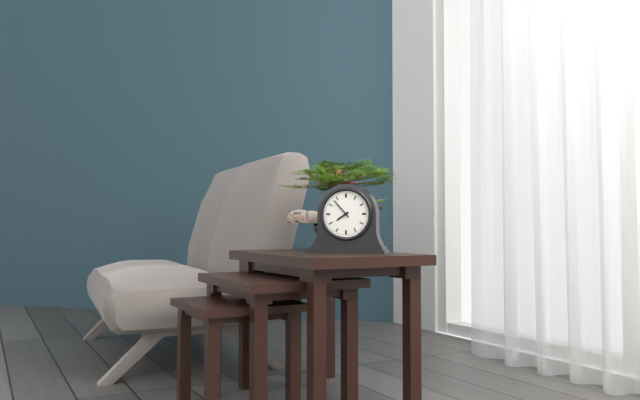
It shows 7:53
